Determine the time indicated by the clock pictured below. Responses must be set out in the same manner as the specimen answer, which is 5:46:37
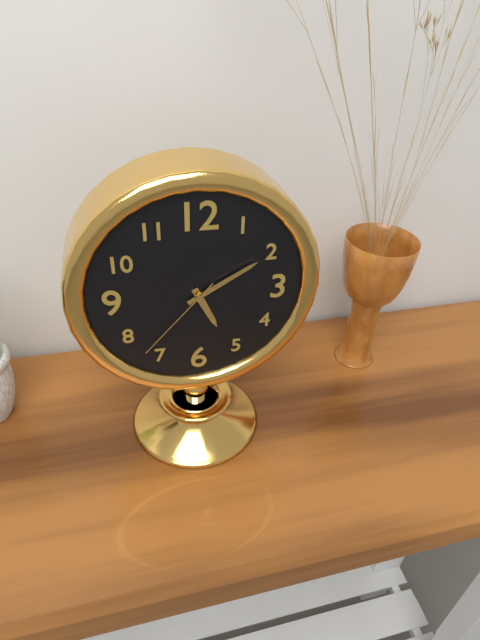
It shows 5:10:37
